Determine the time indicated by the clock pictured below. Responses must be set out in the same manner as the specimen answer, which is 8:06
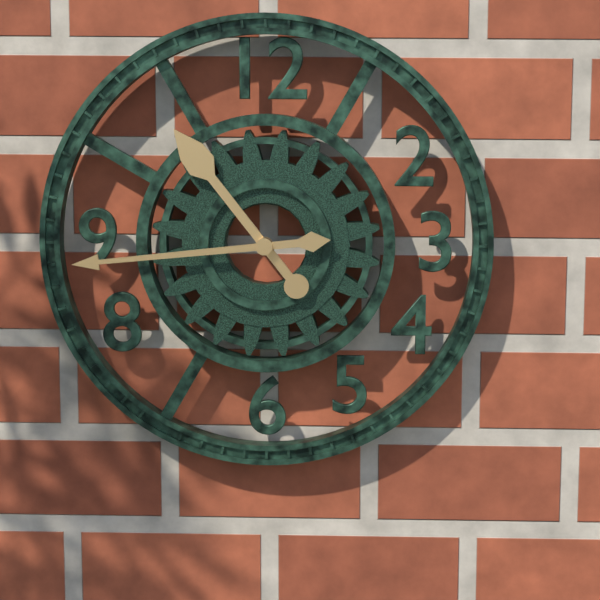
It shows 10:44
